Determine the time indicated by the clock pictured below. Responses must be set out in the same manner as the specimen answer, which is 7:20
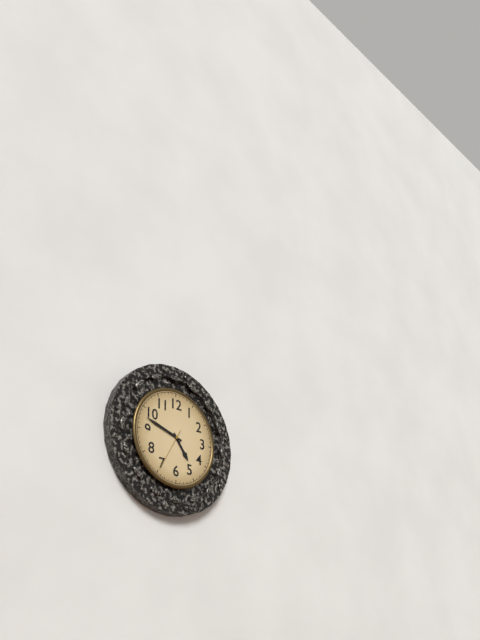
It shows 4:48
